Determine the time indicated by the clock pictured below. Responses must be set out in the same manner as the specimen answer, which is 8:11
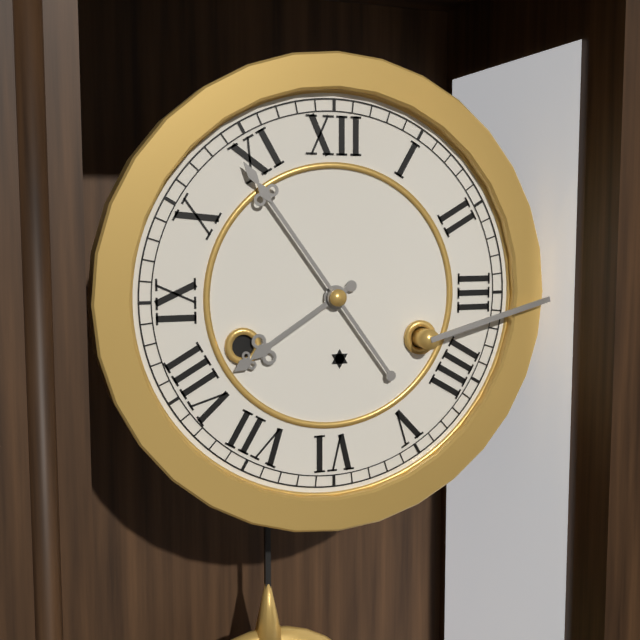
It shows 7:54
